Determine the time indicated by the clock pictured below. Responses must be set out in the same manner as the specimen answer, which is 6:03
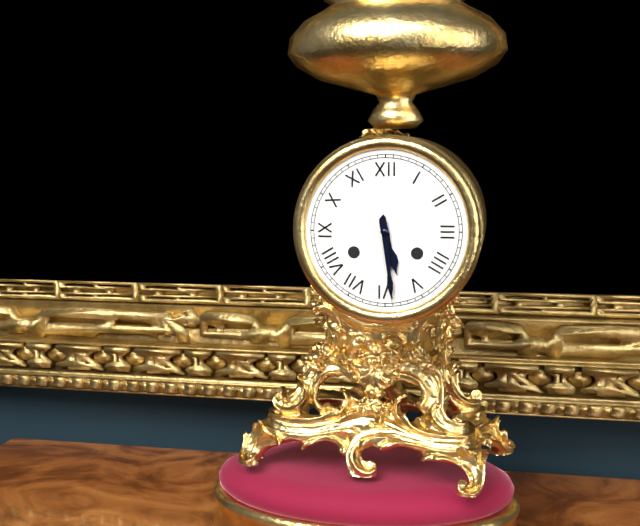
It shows 5:29
